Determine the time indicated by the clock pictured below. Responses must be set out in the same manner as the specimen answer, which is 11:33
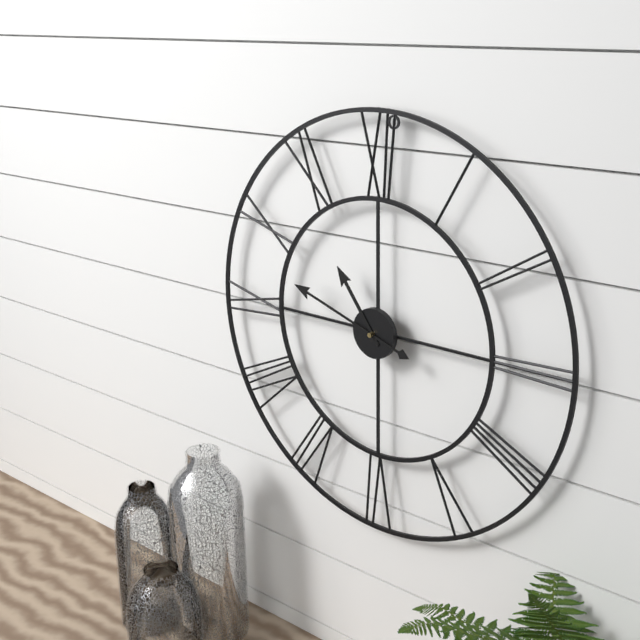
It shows 10:48
